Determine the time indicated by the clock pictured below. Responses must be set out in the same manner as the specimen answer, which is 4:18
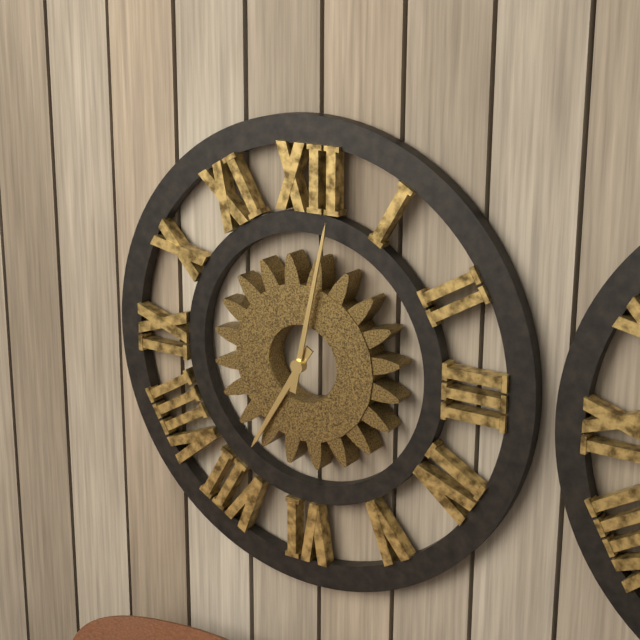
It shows 7:02
